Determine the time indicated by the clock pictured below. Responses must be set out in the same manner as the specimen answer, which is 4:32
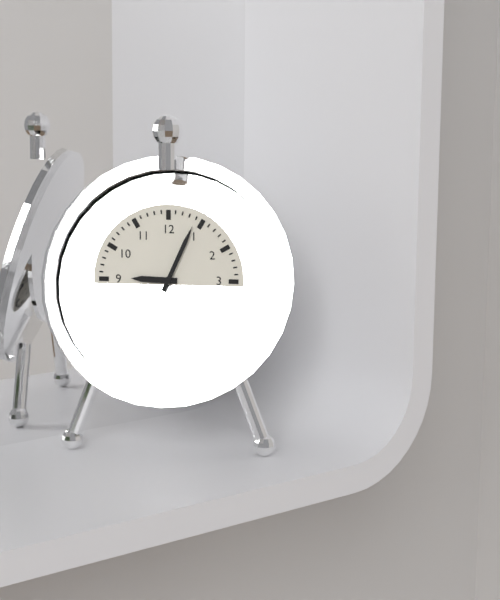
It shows 9:04
